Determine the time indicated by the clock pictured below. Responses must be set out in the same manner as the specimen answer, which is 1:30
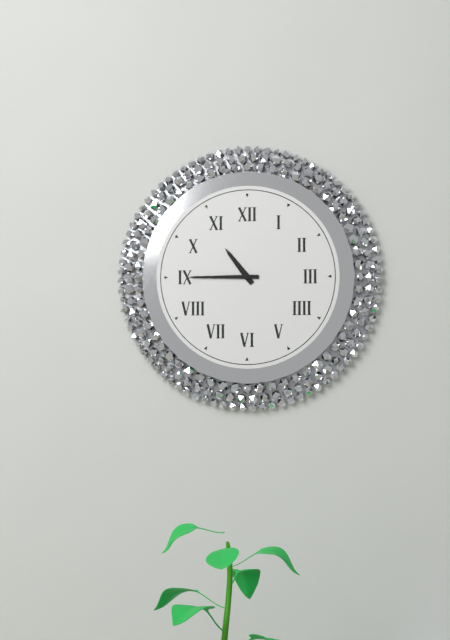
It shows 10:45
